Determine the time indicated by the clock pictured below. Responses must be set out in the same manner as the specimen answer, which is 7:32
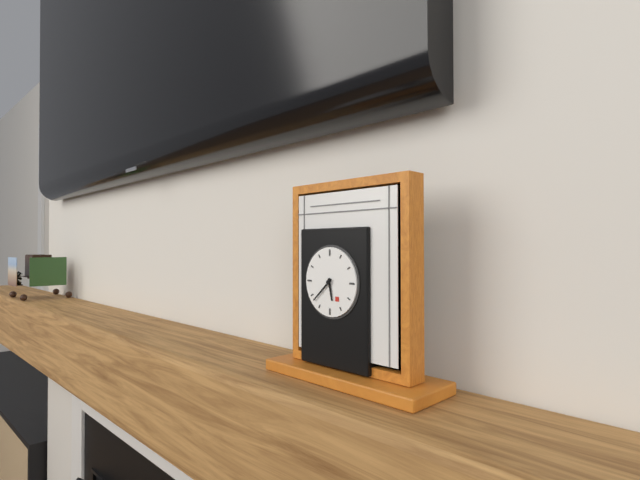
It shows 5:38
